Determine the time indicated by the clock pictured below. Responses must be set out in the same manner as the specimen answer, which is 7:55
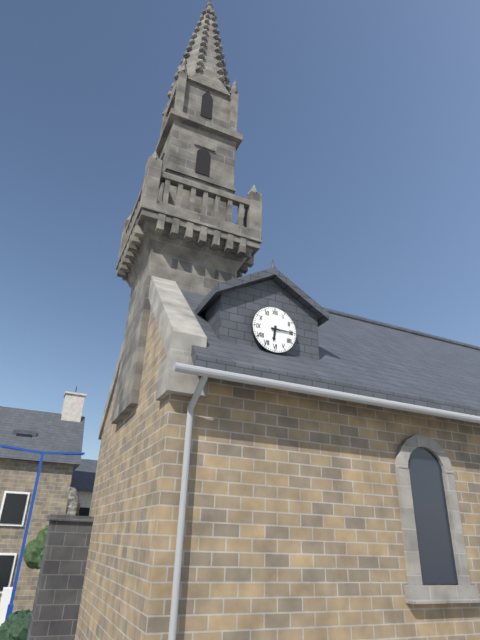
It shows 6:15
